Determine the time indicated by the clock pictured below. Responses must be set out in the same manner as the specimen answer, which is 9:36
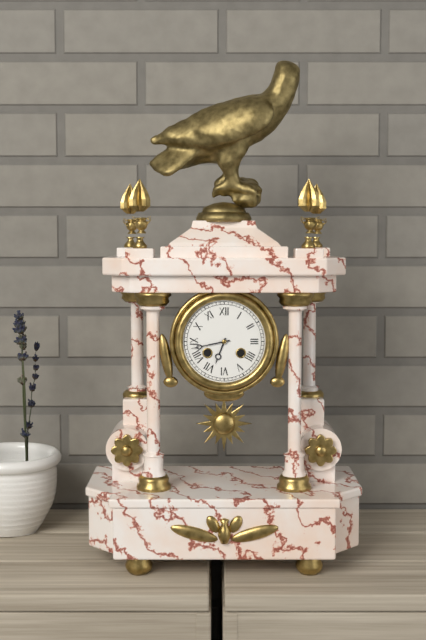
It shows 6:43
